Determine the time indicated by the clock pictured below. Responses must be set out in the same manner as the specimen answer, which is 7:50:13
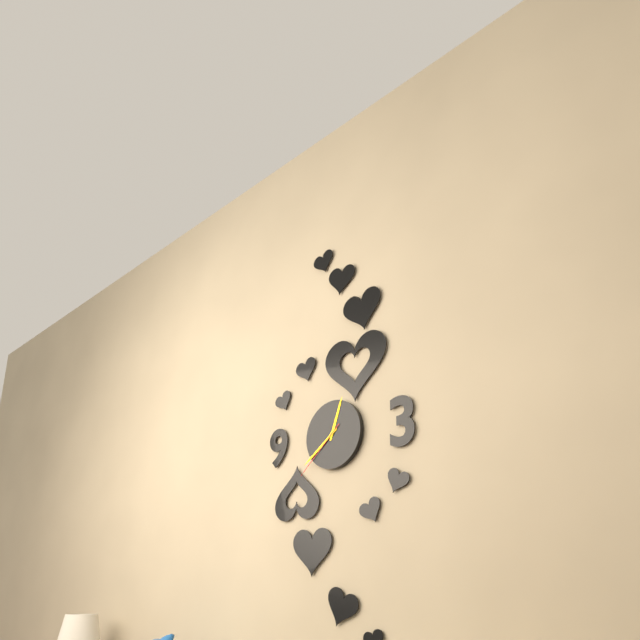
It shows 12:39:38
